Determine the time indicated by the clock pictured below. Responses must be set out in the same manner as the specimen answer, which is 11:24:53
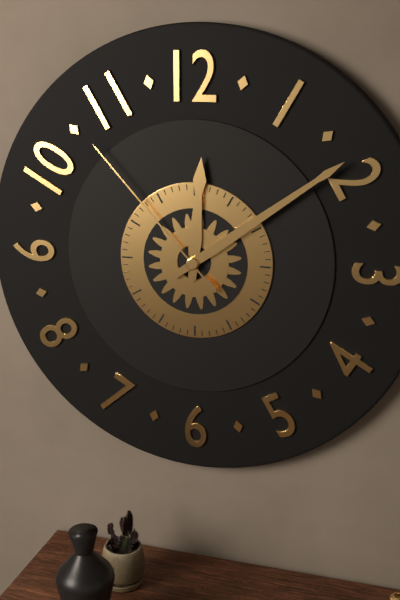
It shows 12:09:53
